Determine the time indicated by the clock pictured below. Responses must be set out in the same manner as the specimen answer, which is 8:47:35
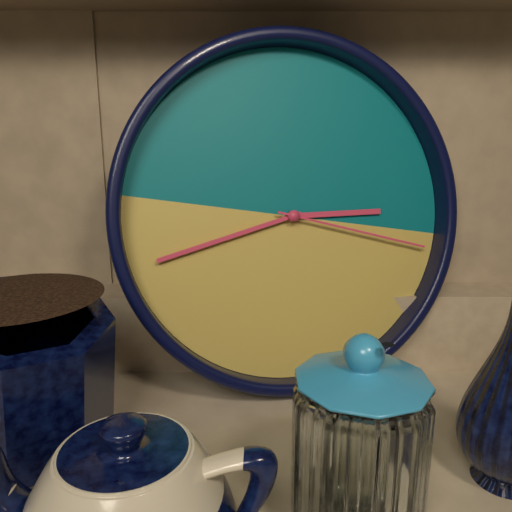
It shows 2:41:16
